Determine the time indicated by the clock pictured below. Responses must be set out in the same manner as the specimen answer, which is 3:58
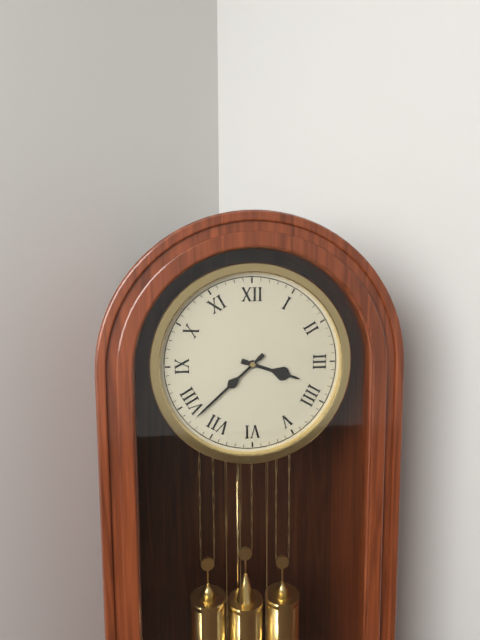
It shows 3:38
